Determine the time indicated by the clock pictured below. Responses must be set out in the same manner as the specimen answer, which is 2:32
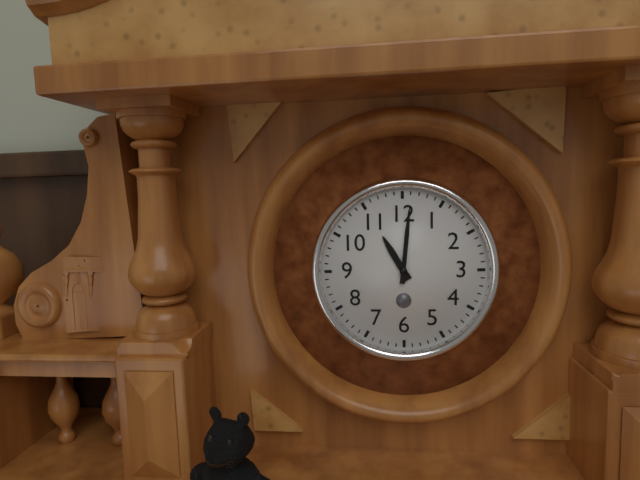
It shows 11:01
